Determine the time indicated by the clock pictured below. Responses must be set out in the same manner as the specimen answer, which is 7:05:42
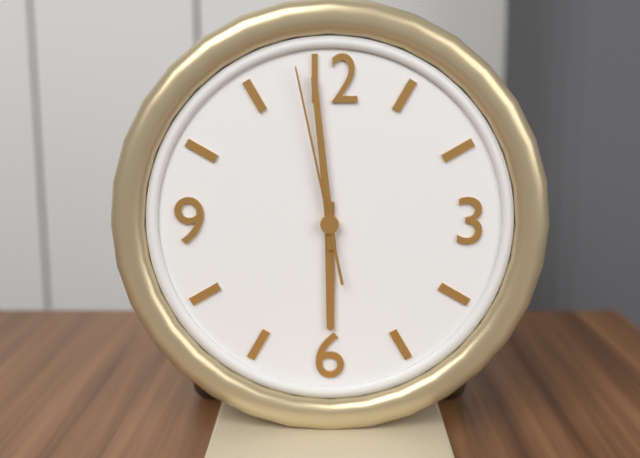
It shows 5:59:58
